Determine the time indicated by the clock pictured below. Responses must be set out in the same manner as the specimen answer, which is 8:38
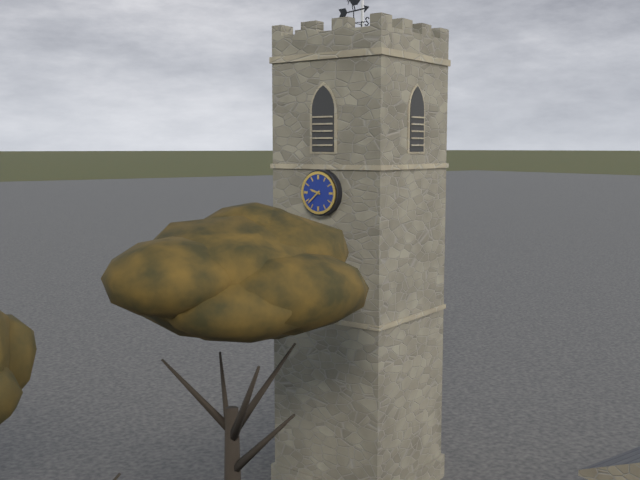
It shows 9:38
